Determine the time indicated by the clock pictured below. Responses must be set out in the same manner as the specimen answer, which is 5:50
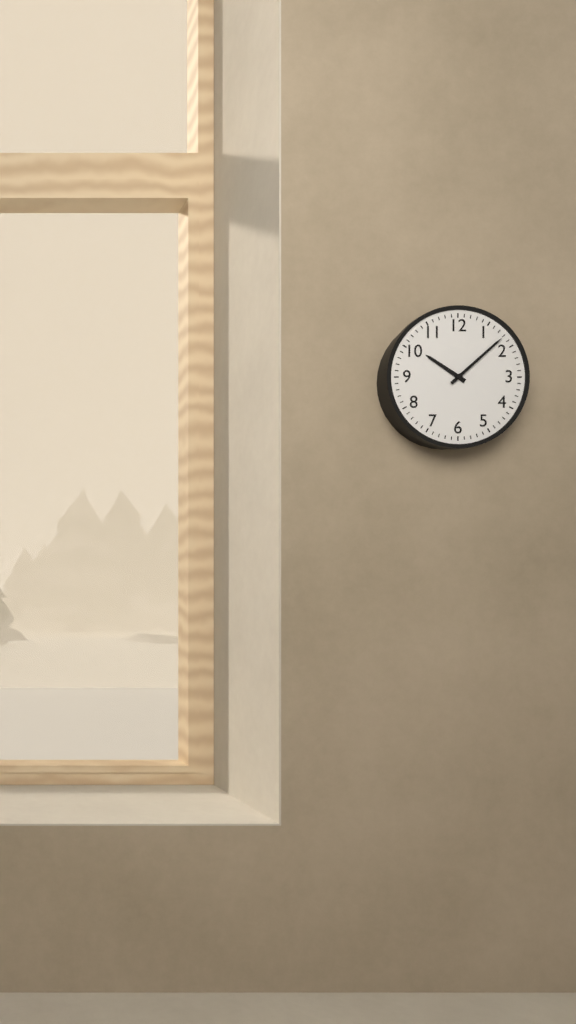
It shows 10:08
